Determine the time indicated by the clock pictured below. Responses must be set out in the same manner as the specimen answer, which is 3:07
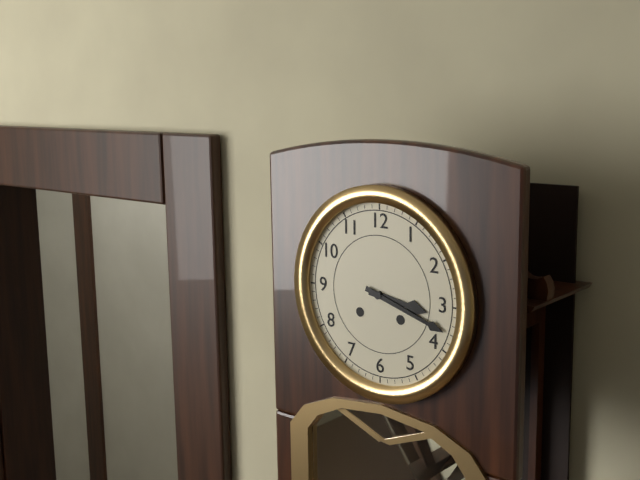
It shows 3:18
